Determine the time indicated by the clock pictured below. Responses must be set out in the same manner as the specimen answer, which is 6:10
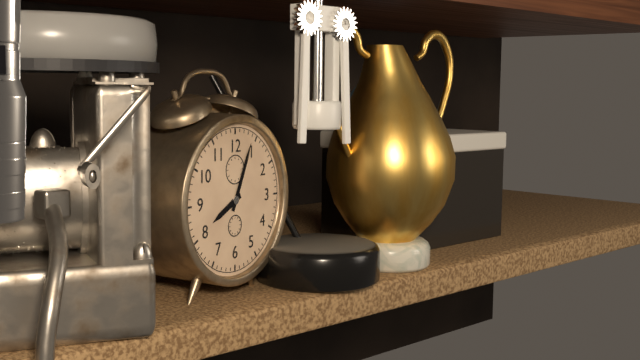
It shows 8:04
